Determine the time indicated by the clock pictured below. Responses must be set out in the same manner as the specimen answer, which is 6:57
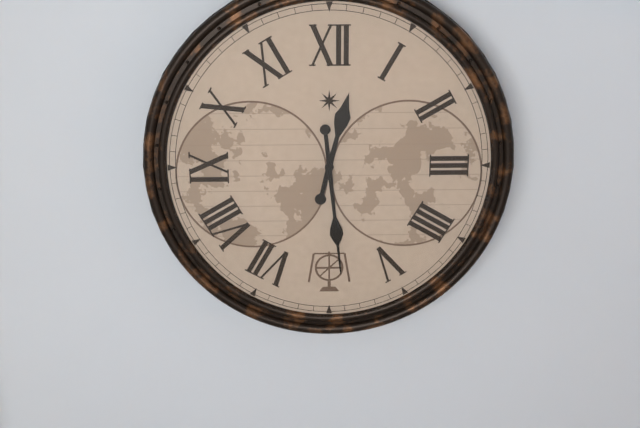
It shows 12:29
